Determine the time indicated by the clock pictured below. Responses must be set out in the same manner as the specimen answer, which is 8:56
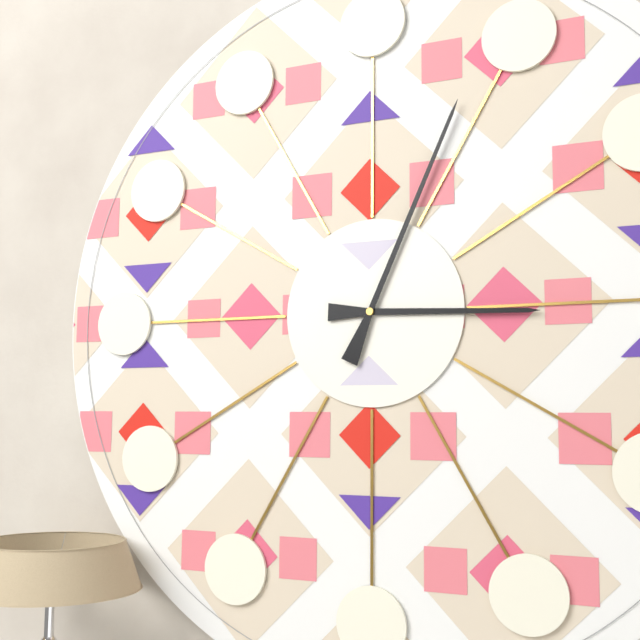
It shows 3:04
